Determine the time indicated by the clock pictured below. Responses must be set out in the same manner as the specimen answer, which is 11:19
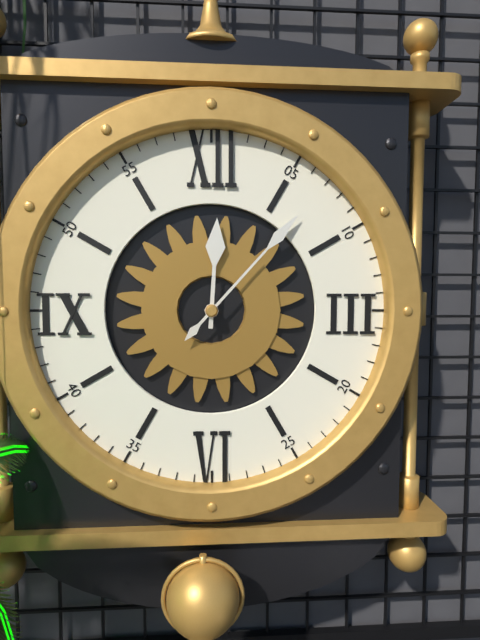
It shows 12:07
